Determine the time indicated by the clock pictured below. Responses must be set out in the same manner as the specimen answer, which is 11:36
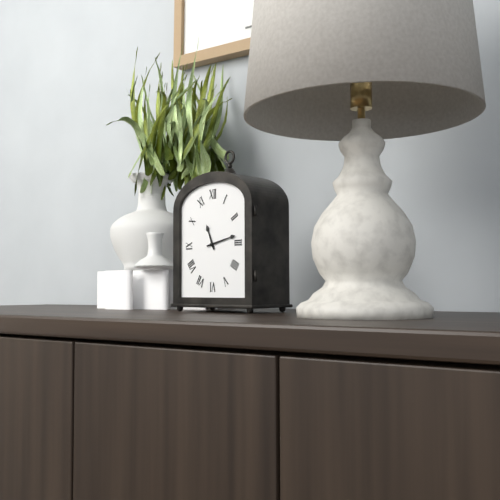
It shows 11:13
